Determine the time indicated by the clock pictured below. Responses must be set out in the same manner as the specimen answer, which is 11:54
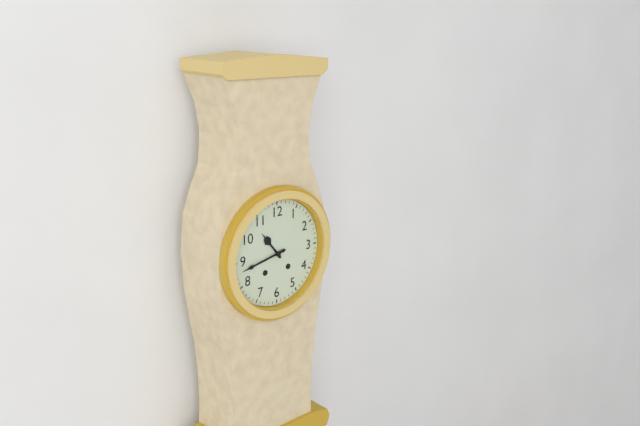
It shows 10:43
